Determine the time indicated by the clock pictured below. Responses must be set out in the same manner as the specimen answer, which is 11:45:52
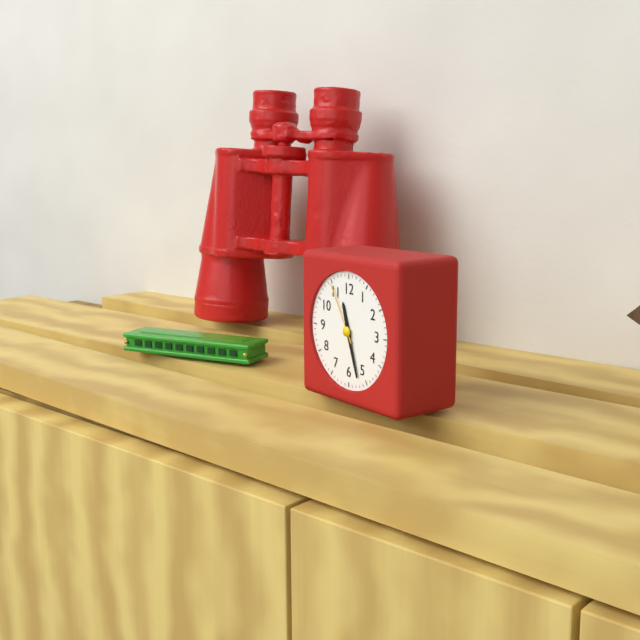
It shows 11:27:55
